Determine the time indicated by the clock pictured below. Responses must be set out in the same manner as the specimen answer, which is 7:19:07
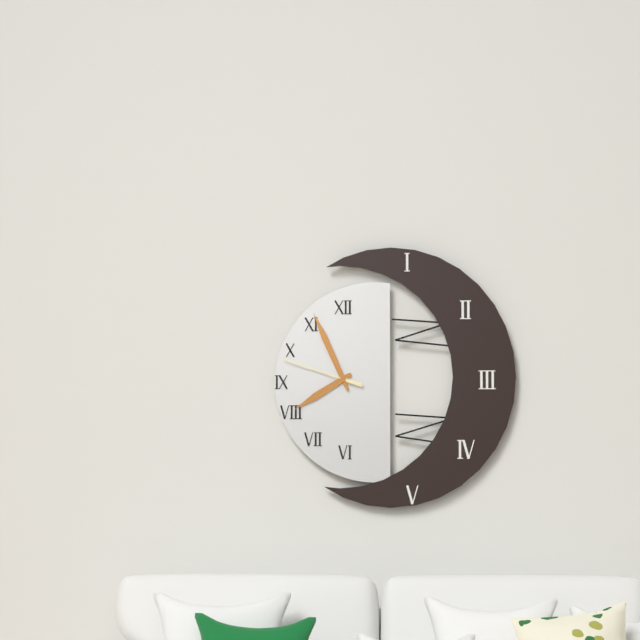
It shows 7:56:48
